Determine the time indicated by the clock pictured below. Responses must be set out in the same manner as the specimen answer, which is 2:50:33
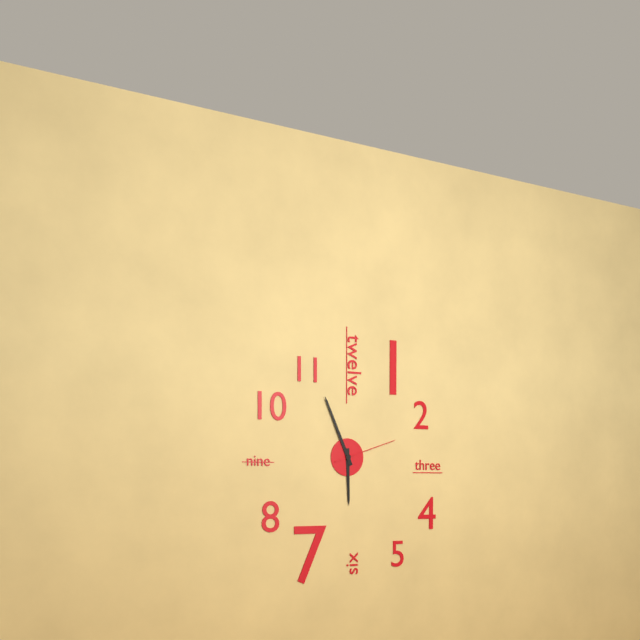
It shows 5:56:12
